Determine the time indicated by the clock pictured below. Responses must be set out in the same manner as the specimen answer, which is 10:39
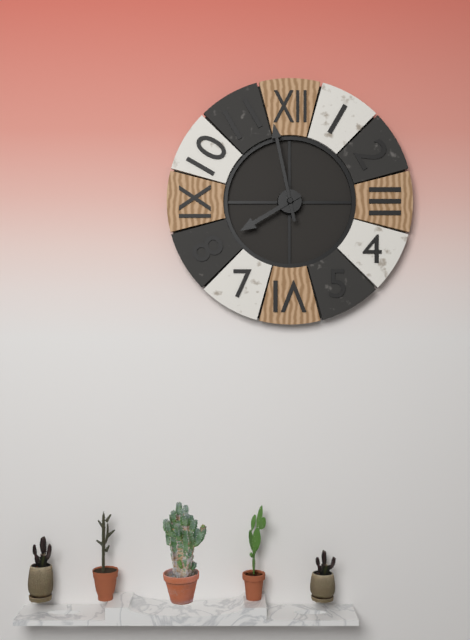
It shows 7:58
